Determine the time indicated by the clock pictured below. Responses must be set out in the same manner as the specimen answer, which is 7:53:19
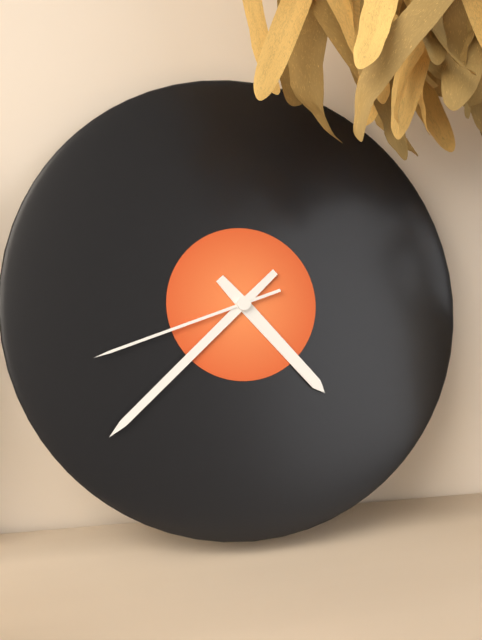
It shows 4:38:42
